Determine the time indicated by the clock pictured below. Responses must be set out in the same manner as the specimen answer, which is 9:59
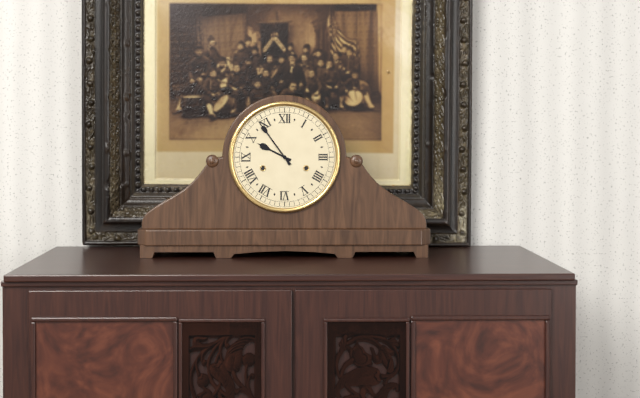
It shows 9:54
